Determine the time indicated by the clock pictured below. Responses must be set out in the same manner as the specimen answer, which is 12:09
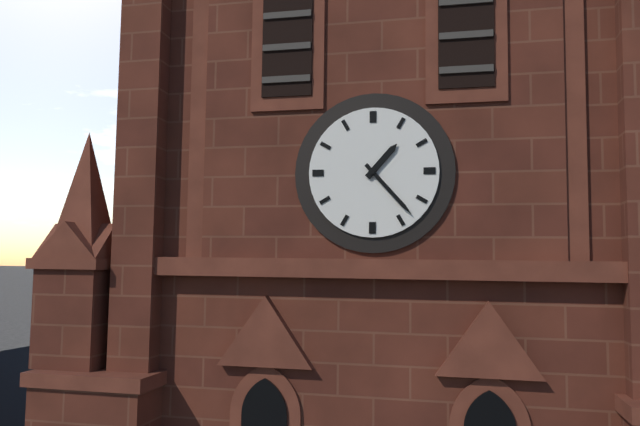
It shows 1:23
